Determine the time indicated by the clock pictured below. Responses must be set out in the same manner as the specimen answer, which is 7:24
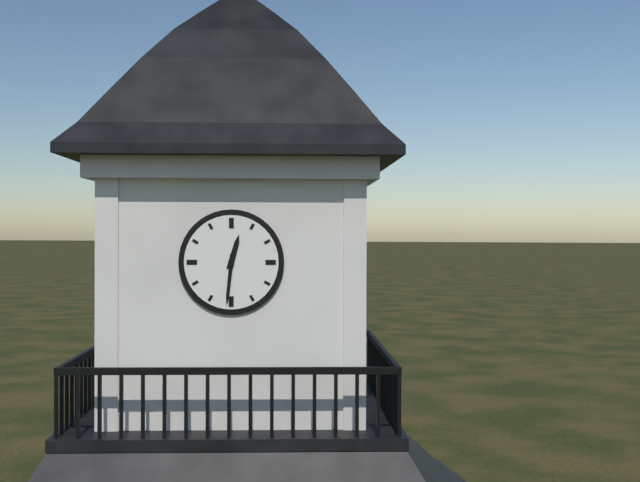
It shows 12:31
